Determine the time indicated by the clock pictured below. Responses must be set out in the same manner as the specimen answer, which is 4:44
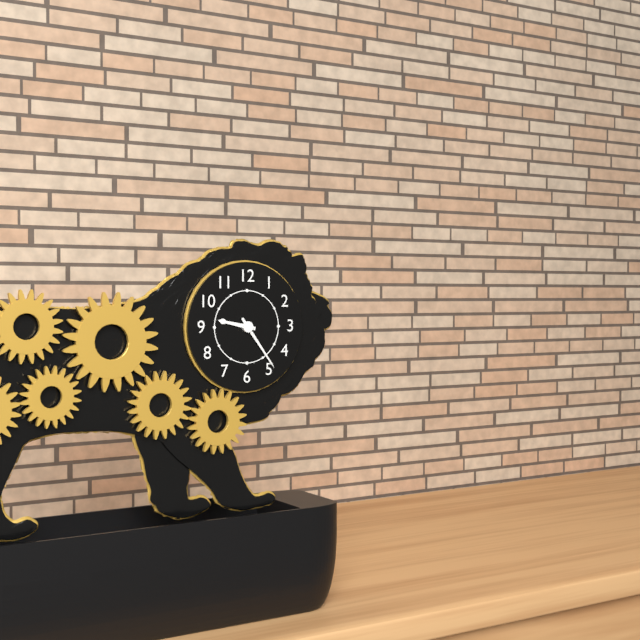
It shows 9:24
